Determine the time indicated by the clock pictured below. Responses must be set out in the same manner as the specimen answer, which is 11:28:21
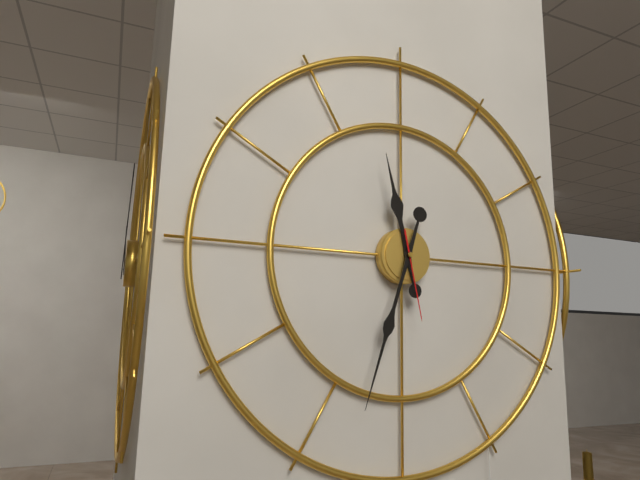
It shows 11:33:28
